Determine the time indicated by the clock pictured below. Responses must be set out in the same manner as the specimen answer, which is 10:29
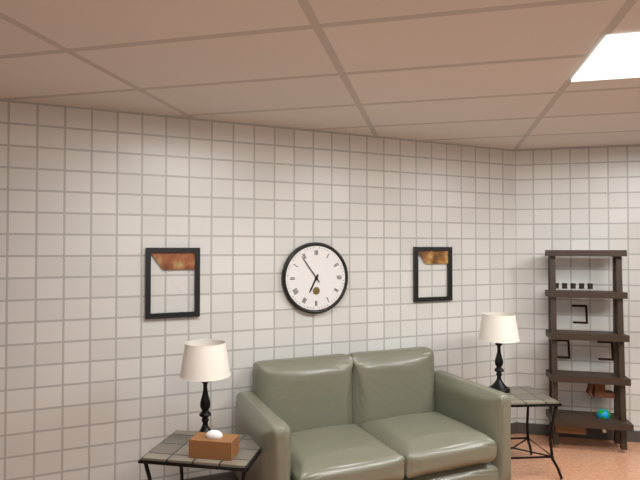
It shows 6:54
